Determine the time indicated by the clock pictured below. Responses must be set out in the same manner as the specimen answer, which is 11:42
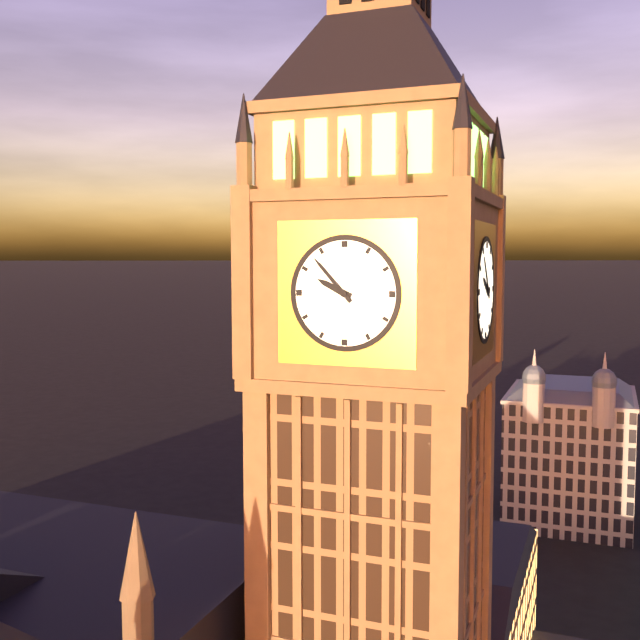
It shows 9:53
